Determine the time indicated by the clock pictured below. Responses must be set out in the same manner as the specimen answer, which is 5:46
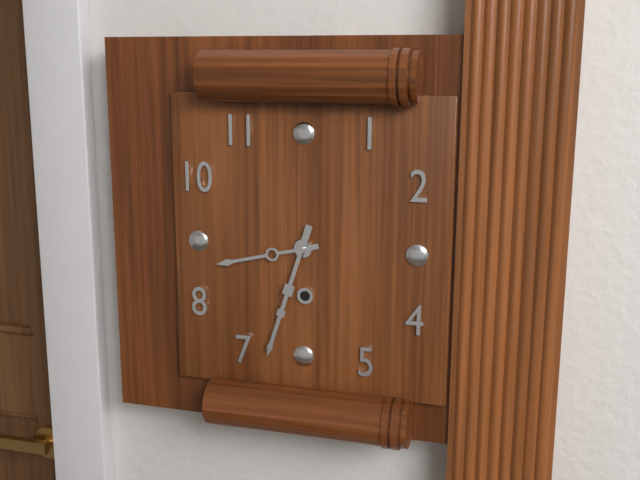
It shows 8:33
